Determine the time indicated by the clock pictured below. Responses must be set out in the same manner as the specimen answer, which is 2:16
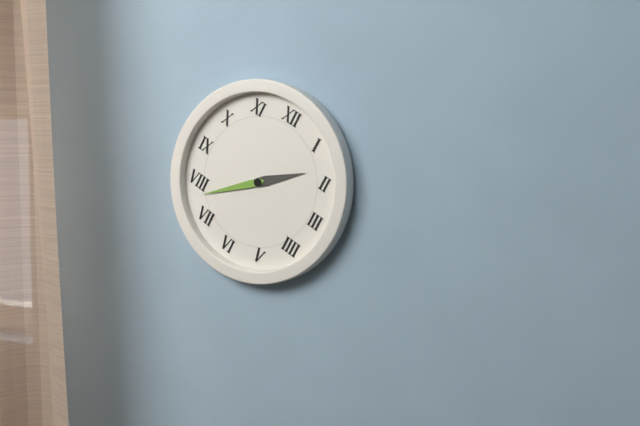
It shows 1:38
